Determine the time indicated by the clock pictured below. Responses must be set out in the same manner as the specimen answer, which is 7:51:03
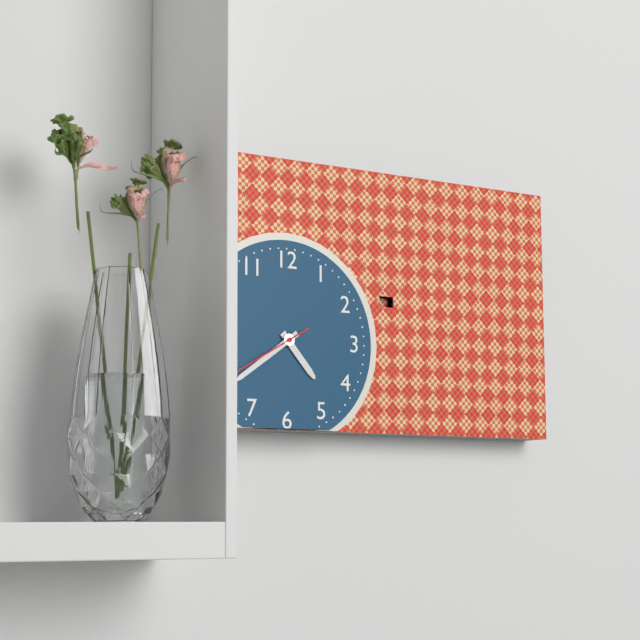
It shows 4:39:40
